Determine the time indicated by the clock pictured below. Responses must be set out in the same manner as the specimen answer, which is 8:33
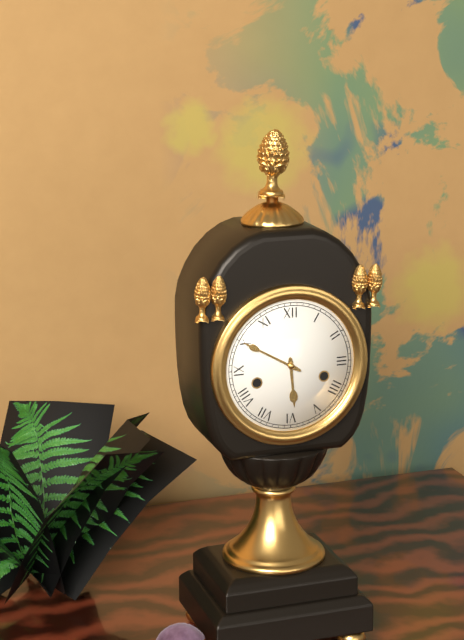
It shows 5:50
